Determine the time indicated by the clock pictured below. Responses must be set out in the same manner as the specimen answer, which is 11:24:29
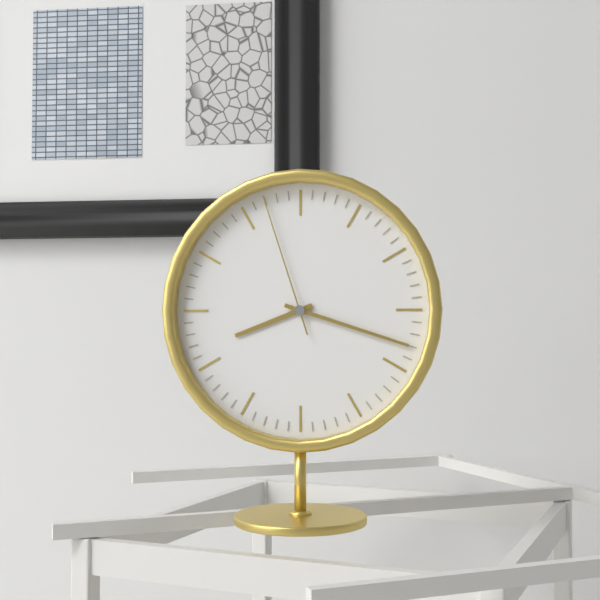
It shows 8:18:57
